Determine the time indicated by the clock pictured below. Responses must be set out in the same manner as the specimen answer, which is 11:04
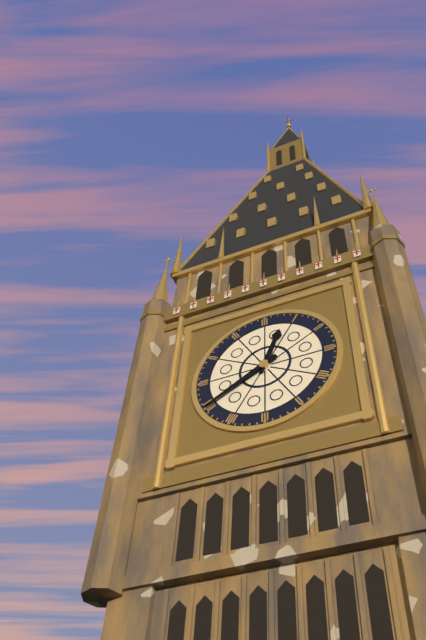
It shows 12:40
